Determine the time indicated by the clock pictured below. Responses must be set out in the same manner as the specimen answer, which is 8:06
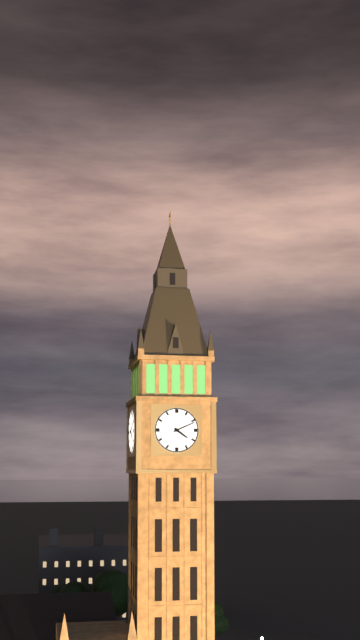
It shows 4:11
